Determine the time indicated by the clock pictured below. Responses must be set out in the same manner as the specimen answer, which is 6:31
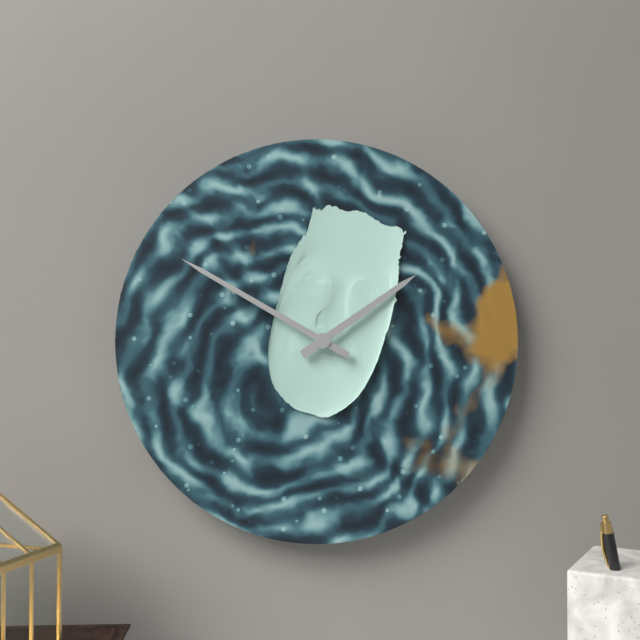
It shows 1:50
